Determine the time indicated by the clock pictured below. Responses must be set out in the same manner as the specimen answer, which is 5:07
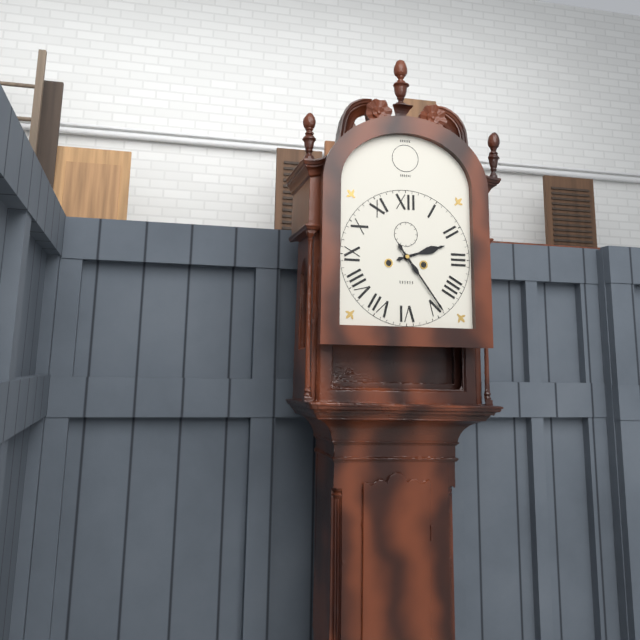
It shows 2:24
